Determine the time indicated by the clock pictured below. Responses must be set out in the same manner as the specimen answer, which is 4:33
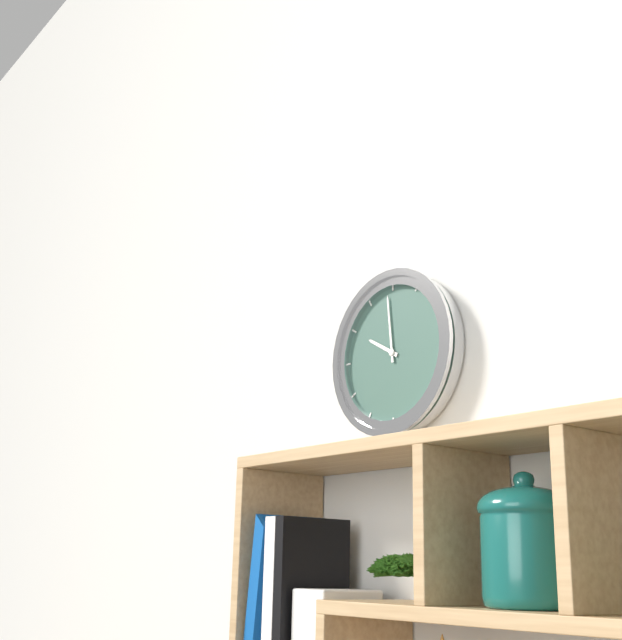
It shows 9:59
